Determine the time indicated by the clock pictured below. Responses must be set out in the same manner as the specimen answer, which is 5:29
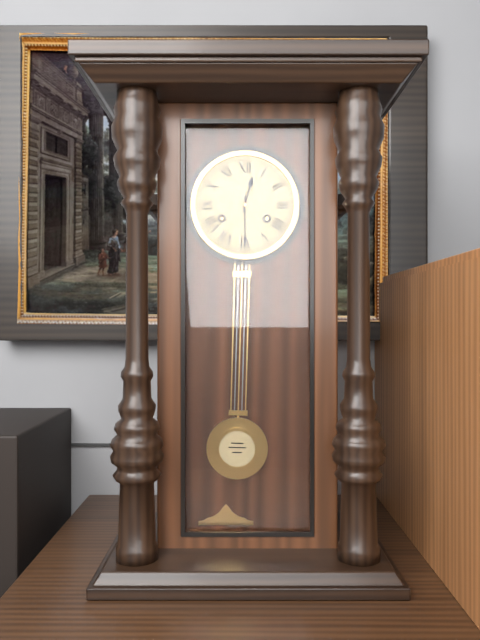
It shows 12:30
